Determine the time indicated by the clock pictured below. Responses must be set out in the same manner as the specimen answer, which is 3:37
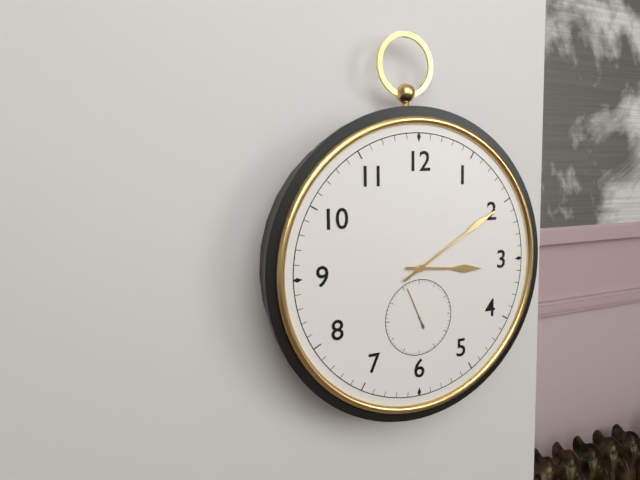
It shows 3:10
